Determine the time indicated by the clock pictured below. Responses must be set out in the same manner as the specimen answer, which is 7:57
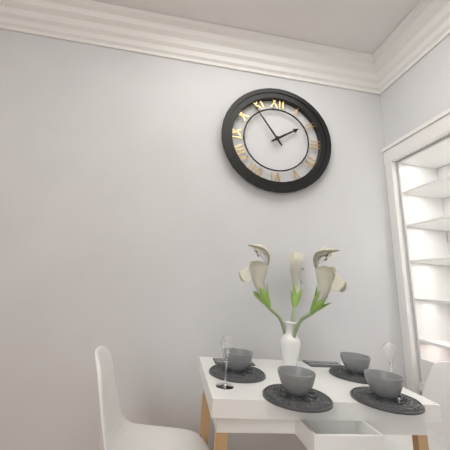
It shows 1:54
